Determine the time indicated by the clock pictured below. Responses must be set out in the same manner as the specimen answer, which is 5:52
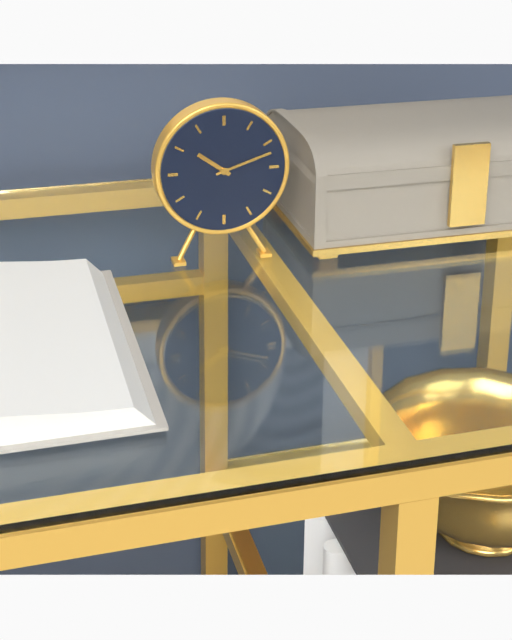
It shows 10:12
